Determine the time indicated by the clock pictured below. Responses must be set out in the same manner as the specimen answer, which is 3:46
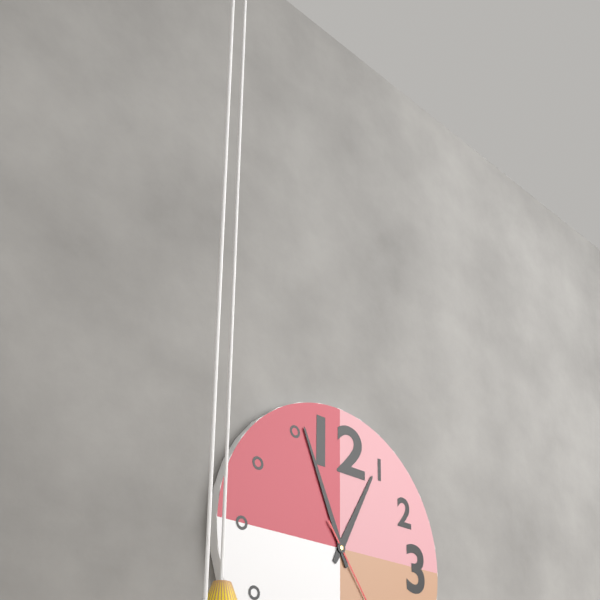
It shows 12:56
